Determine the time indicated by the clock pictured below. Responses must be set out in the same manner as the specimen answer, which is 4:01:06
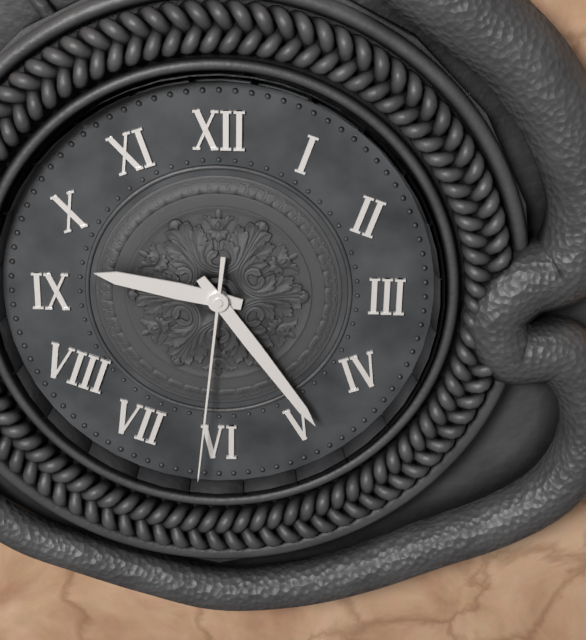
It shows 9:24:31
